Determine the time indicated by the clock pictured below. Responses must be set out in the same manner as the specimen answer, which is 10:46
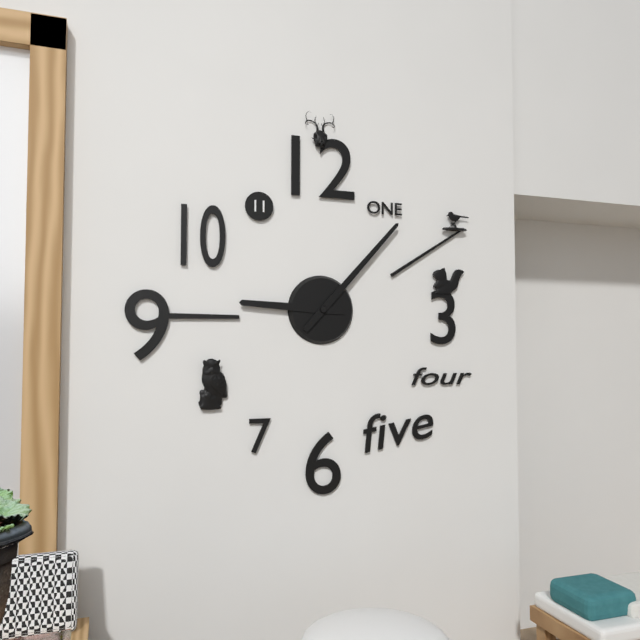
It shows 9:07
